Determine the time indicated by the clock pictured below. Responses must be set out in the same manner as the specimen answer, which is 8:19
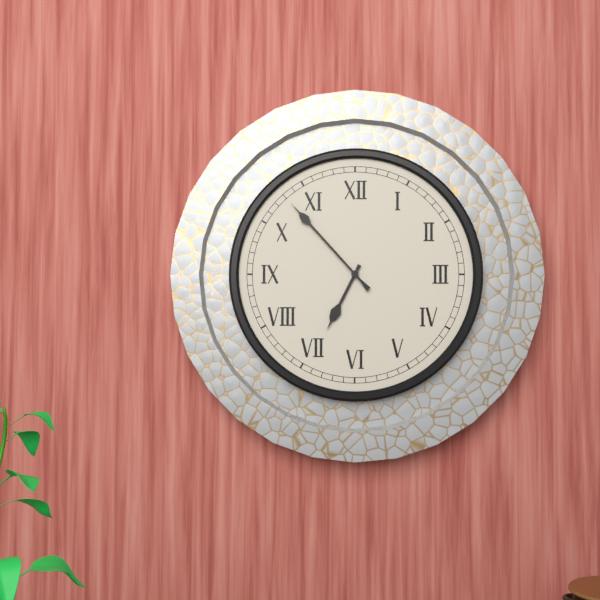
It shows 6:53
